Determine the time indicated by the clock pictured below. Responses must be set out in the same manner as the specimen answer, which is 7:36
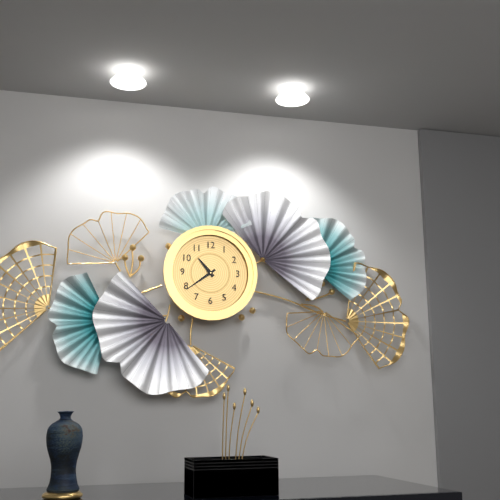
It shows 10:39
